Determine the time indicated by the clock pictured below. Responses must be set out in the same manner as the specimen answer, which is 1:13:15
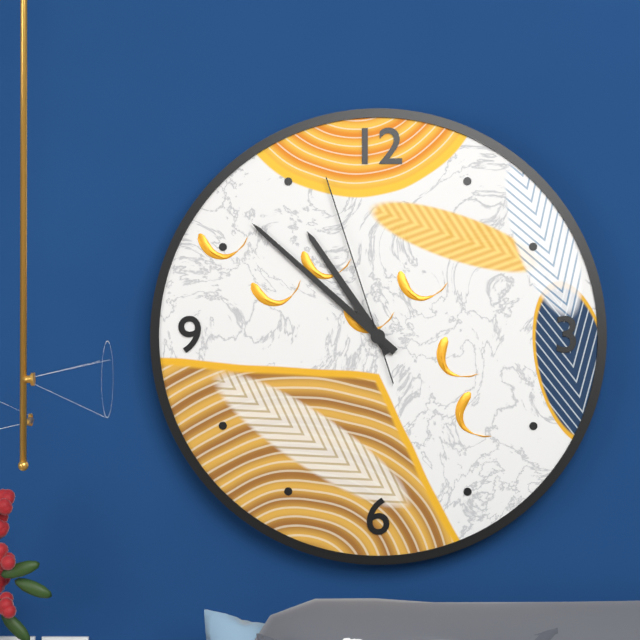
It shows 10:52:57
